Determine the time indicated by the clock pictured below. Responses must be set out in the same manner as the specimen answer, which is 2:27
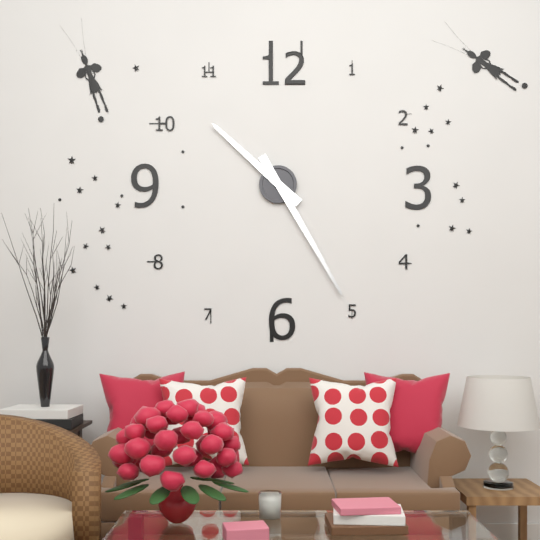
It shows 10:25
